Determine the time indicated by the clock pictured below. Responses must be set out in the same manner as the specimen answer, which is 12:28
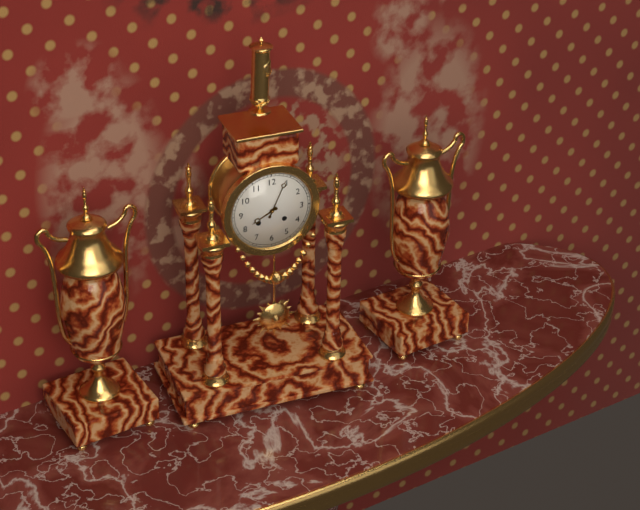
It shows 8:04
